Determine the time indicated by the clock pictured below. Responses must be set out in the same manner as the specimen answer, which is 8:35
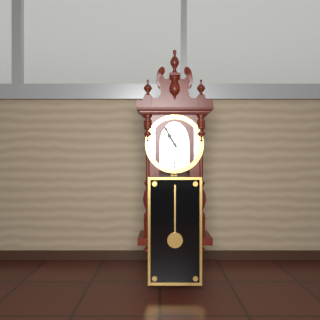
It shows 10:55
